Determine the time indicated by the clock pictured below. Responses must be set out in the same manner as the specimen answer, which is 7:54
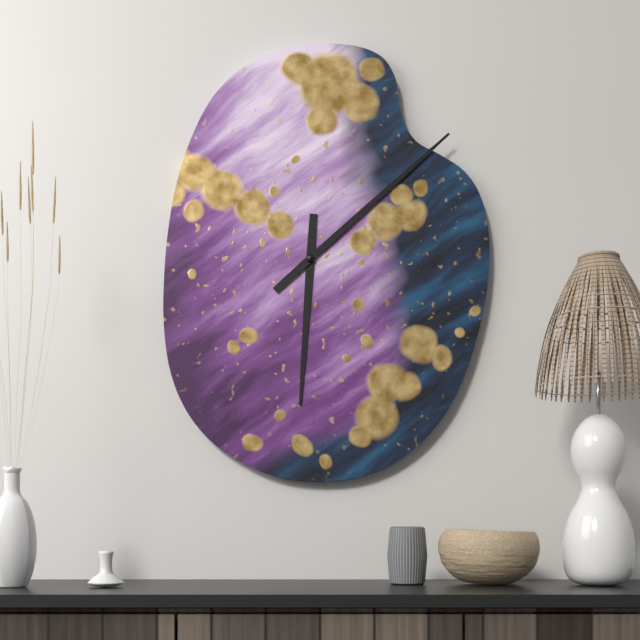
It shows 6:08
